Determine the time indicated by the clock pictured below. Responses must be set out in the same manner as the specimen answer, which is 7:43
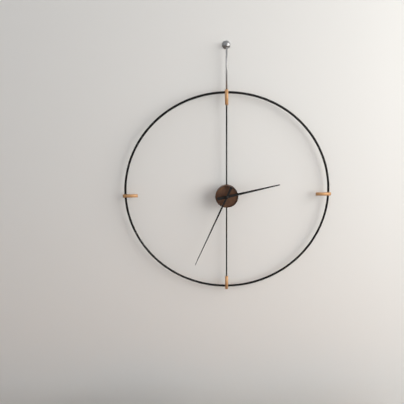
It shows 2:34
